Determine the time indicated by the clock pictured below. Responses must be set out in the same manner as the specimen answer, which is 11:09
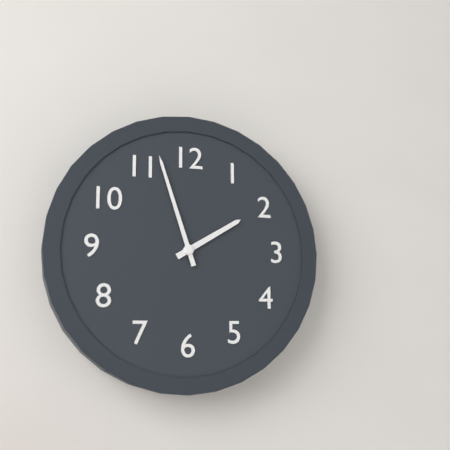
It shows 1:57
